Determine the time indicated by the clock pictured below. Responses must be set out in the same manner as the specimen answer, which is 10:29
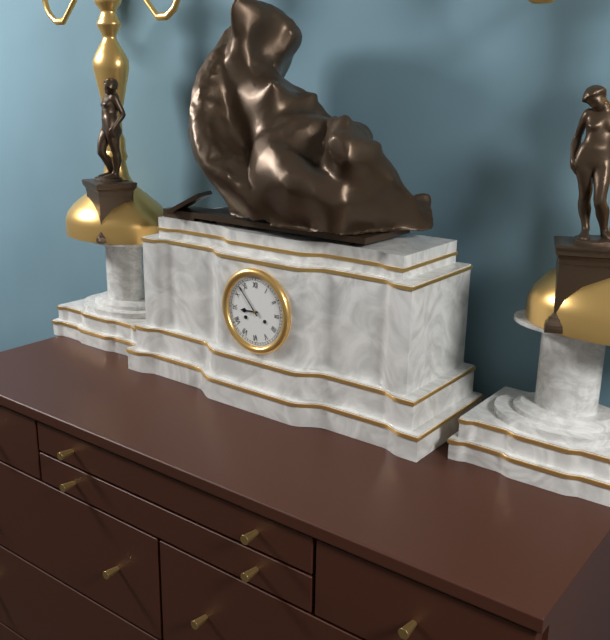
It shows 8:53
